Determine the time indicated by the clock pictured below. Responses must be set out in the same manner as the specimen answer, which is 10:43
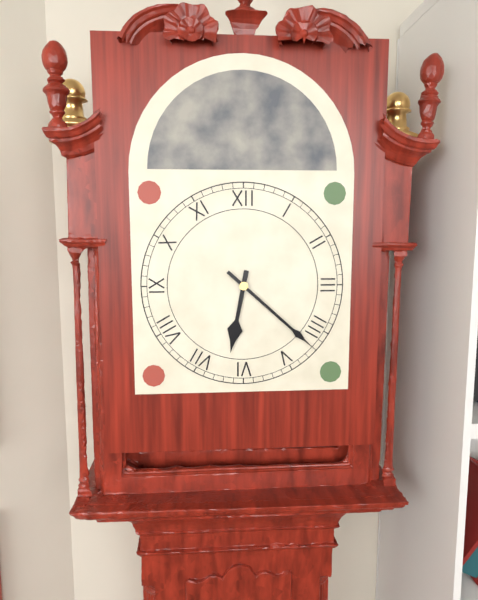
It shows 6:22
